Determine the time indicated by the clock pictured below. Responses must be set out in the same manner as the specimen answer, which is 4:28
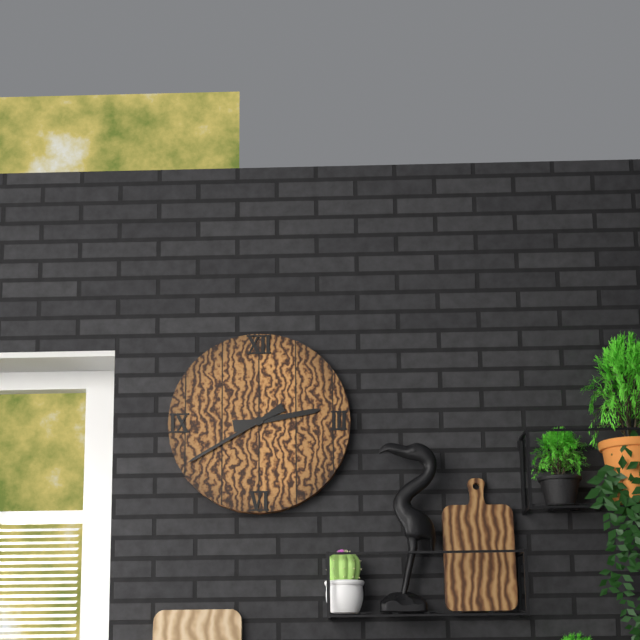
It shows 2:40
